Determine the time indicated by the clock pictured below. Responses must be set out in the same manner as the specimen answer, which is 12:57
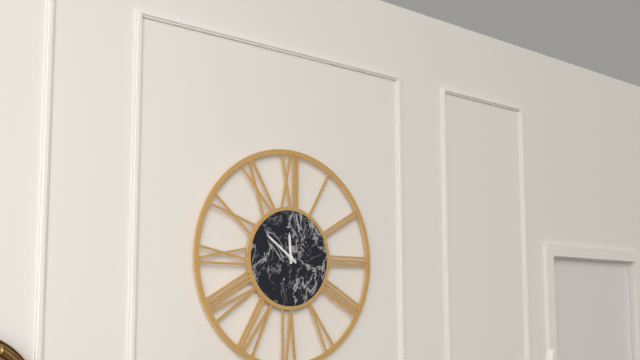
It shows 11:51
